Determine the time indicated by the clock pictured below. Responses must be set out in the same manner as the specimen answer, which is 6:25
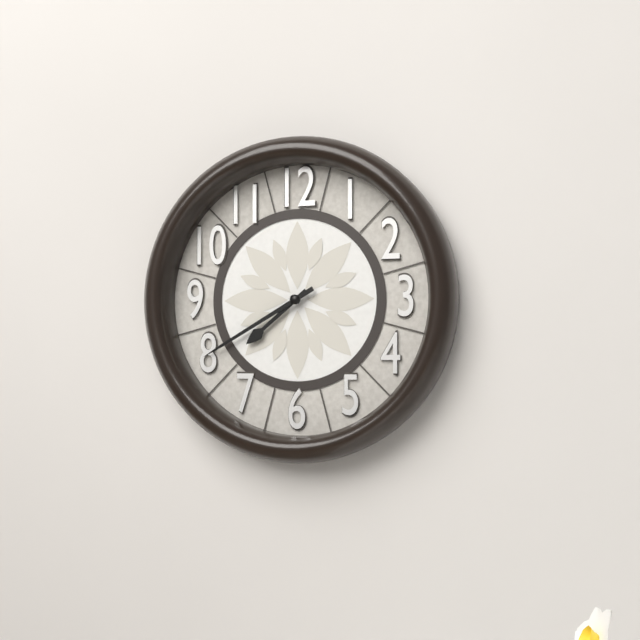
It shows 7:40
